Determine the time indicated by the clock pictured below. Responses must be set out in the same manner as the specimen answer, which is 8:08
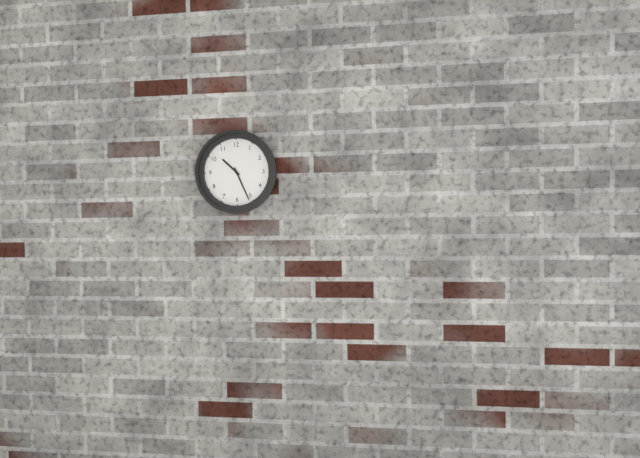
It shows 10:26
